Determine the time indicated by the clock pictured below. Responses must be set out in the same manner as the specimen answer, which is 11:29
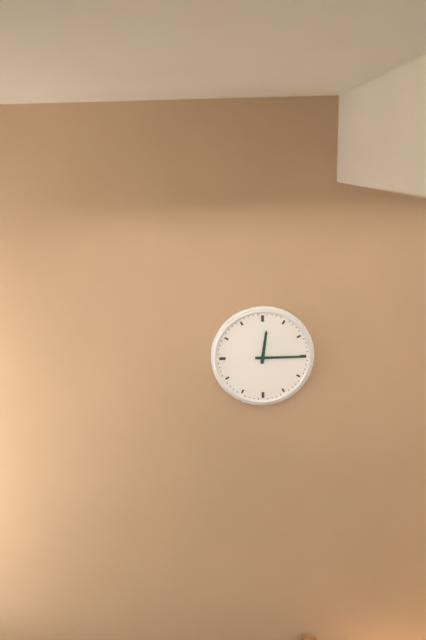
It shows 12:15
